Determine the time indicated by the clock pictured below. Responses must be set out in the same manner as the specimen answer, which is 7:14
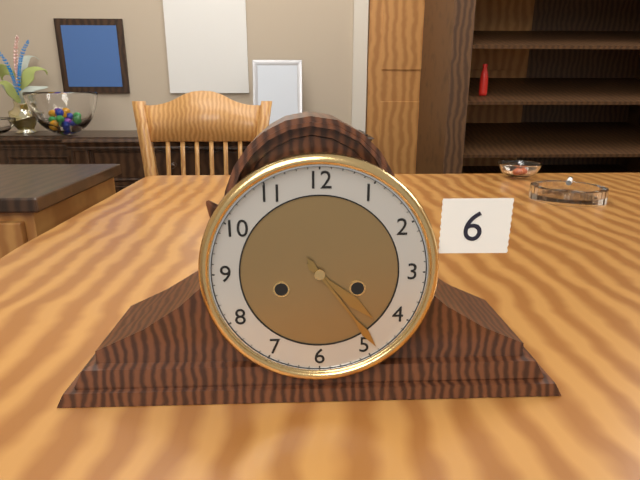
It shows 4:24
